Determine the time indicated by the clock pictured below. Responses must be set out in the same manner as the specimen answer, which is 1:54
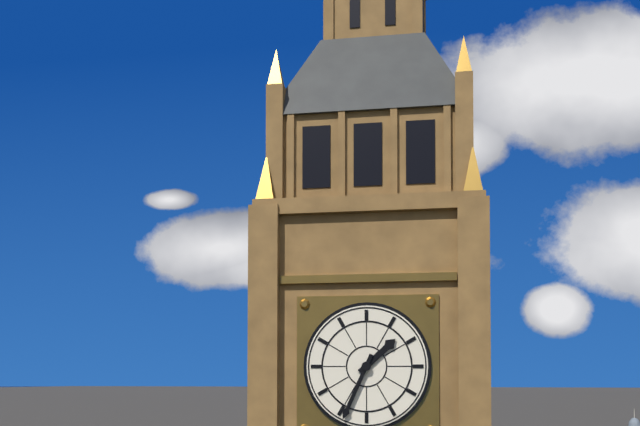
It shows 1:34
